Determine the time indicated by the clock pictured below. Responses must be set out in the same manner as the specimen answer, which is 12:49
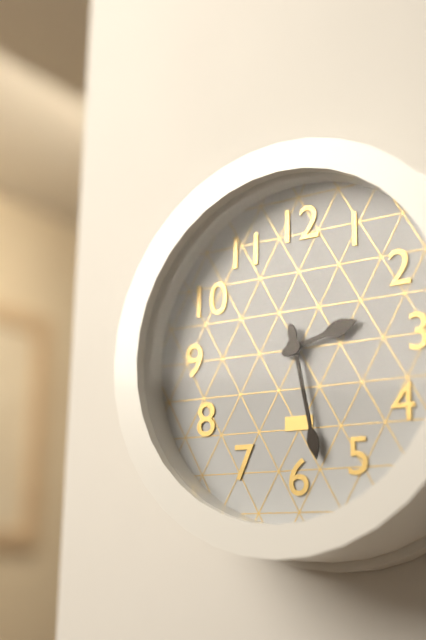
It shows 2:28
